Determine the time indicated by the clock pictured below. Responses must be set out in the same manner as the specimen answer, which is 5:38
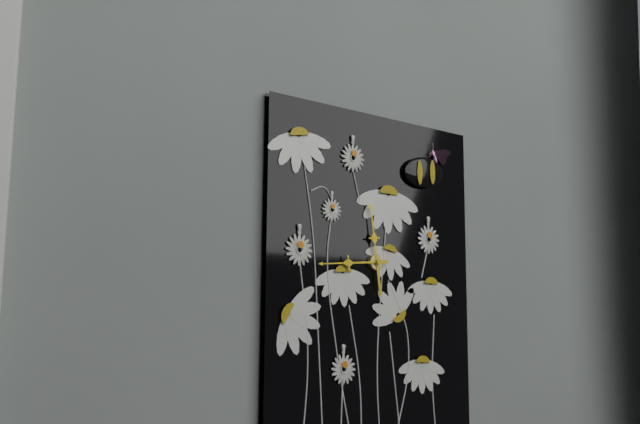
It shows 11:44
